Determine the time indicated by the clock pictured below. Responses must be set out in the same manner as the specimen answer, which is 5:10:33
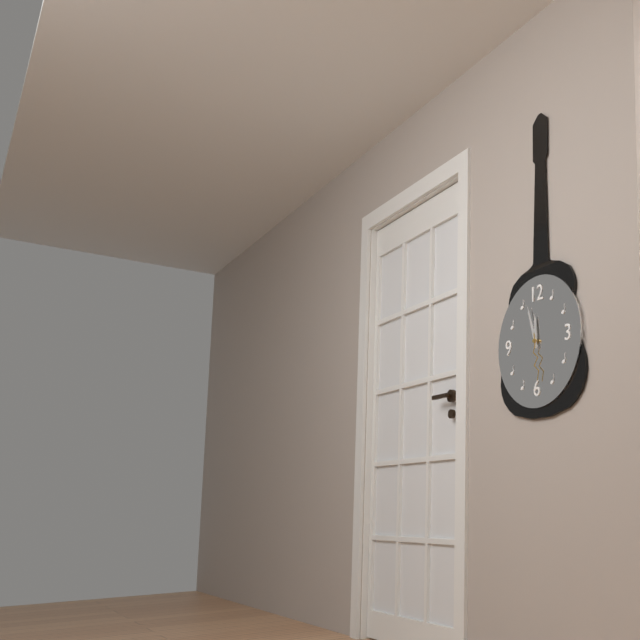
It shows 11:57:29
